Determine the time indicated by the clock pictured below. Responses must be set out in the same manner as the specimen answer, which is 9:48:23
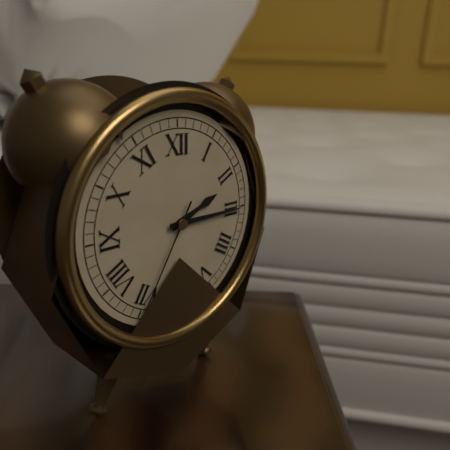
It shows 2:15:35
